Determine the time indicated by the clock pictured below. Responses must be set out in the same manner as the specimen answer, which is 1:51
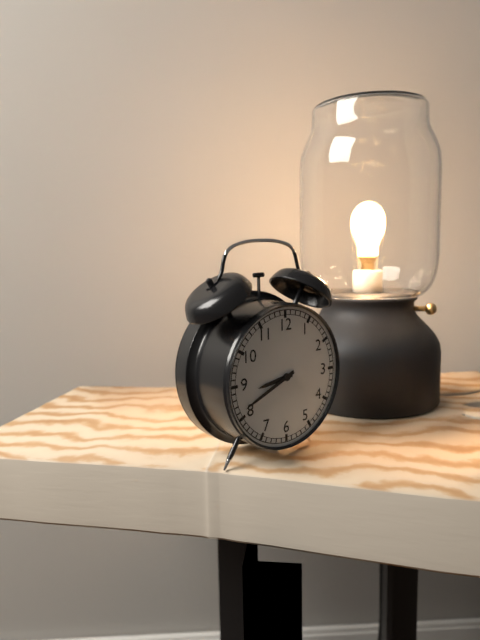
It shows 8:41
